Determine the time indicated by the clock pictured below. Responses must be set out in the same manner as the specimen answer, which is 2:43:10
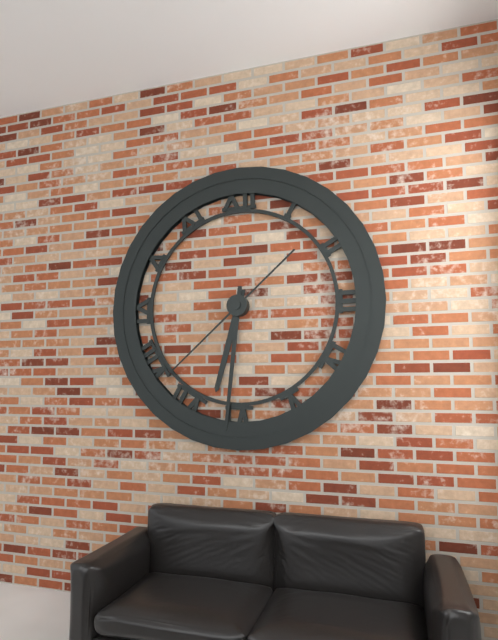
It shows 6:31:38
